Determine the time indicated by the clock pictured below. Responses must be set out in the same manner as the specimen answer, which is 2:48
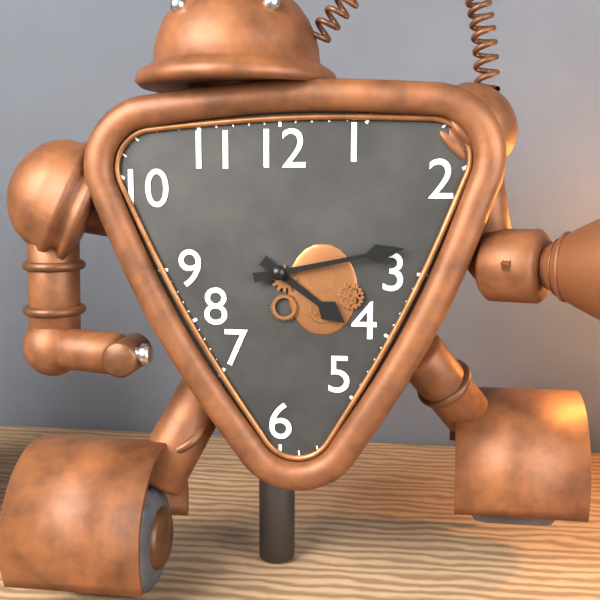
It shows 4:13
